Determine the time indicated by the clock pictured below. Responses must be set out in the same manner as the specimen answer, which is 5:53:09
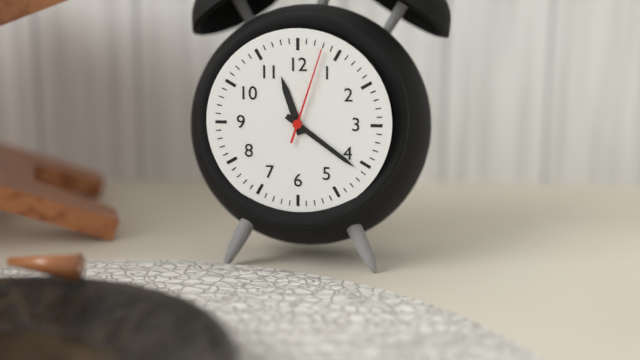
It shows 11:21:03
